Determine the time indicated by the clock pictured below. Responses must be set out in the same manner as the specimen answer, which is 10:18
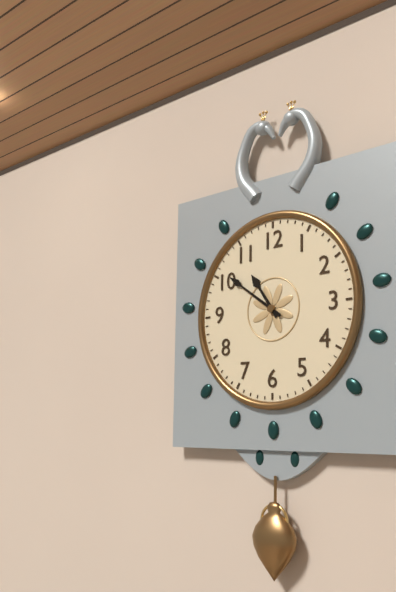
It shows 10:51
